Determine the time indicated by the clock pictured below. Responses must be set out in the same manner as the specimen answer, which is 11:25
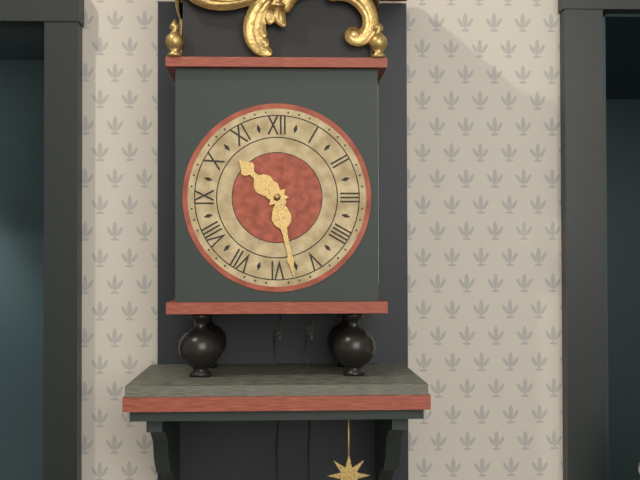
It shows 10:28
